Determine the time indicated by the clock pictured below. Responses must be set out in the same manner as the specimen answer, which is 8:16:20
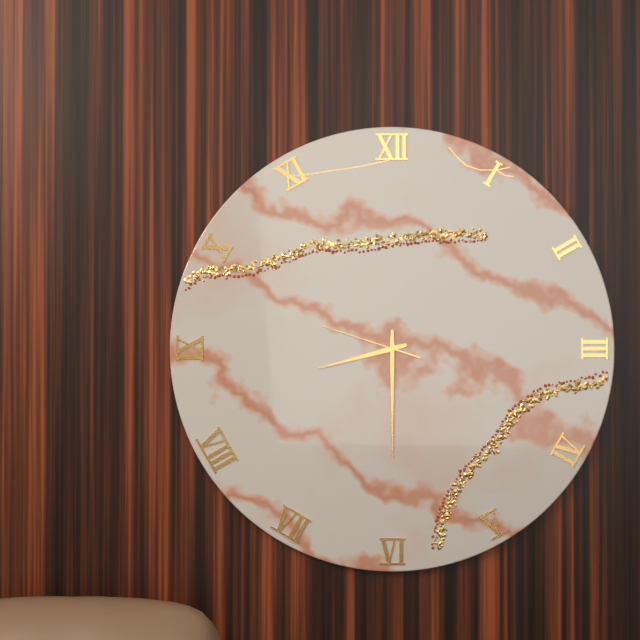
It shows 8:30:48
